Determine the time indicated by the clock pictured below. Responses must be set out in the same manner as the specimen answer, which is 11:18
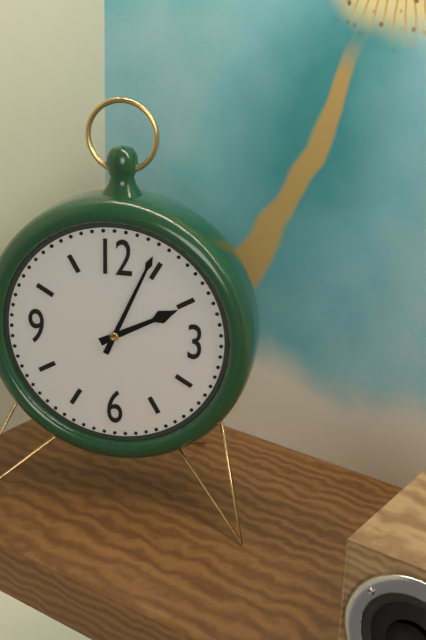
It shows 2:04
